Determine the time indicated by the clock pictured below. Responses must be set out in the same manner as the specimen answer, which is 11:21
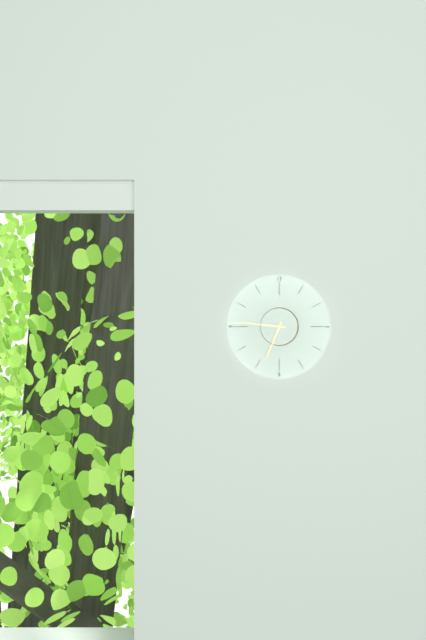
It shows 6:46
